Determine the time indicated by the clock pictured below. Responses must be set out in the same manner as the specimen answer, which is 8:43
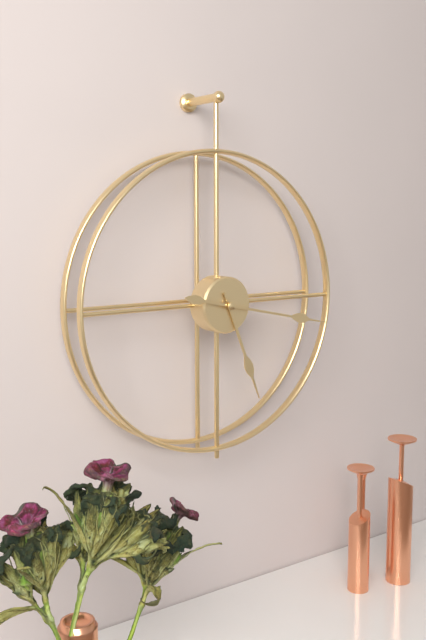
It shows 5:17
